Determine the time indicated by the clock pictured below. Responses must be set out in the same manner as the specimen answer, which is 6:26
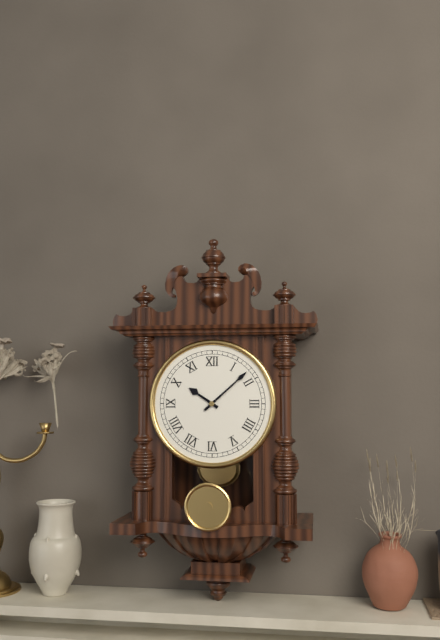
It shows 10:08
